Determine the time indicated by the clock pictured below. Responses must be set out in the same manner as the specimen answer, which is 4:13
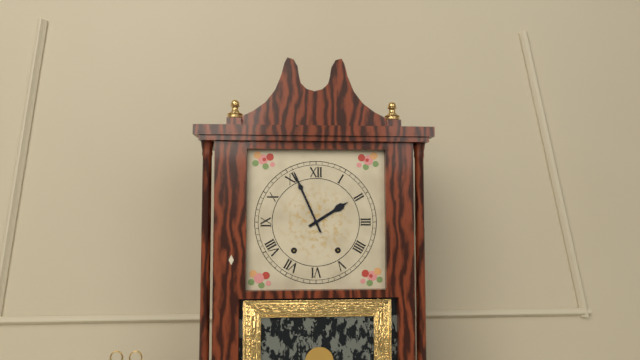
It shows 1:56
